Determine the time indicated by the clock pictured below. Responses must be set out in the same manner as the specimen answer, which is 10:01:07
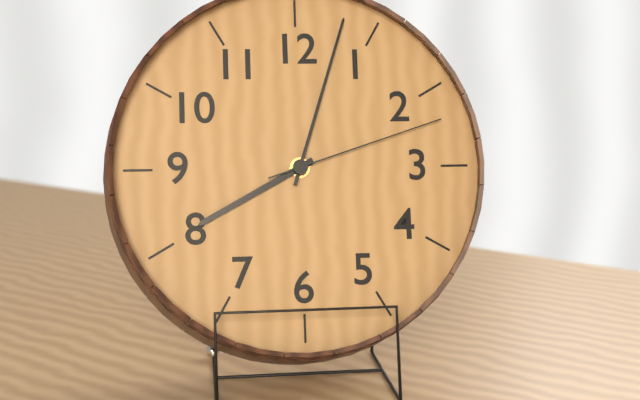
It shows 8:03:12
